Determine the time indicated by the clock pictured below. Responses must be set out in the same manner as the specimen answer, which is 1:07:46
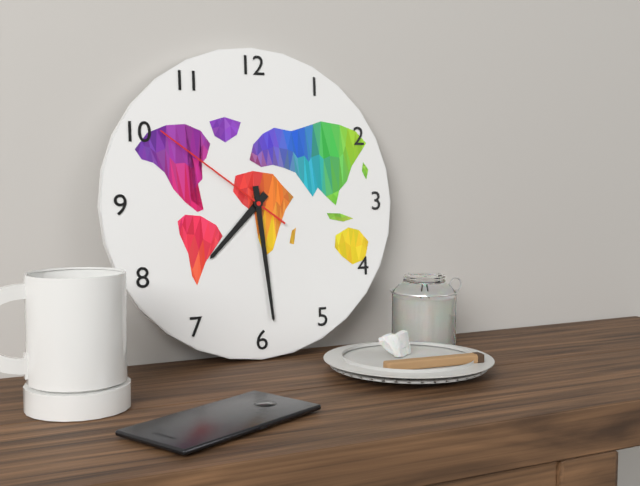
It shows 7:29:51
